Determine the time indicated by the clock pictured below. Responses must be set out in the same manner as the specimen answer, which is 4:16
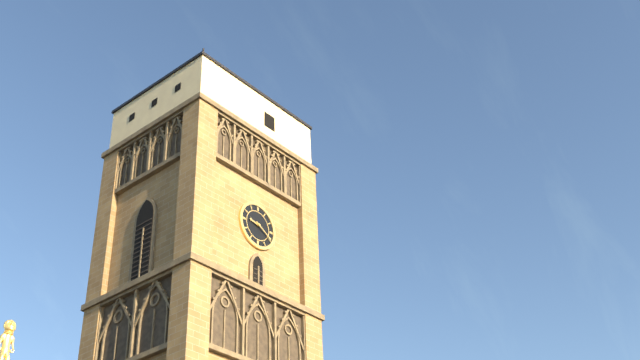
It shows 9:20
